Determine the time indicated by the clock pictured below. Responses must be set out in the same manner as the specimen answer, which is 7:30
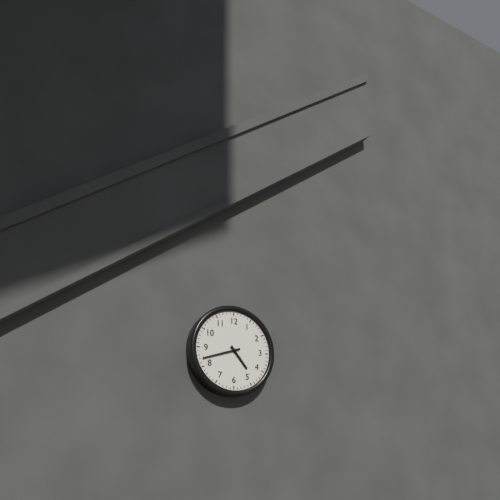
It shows 4:42
